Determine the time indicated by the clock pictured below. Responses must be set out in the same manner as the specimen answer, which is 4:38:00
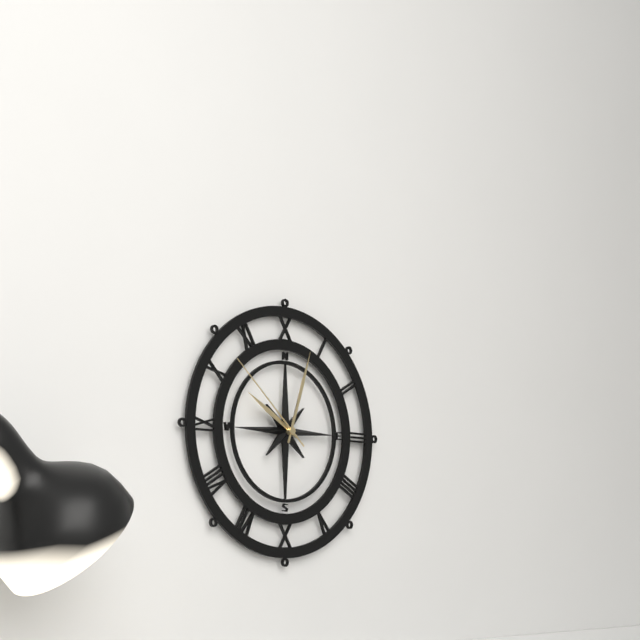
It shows 10:03:52
